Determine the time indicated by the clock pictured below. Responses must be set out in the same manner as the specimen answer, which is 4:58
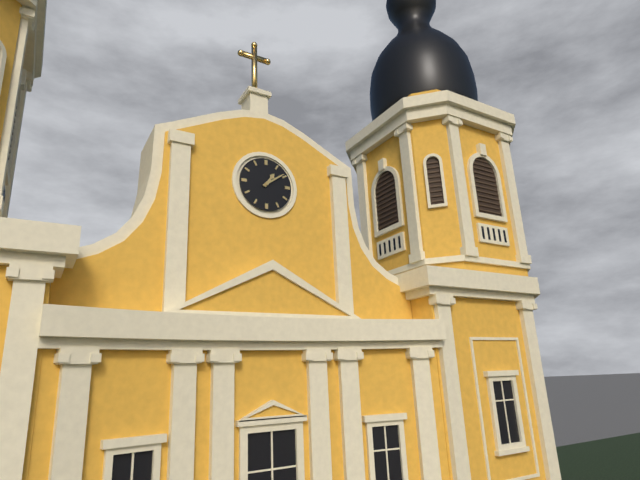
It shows 1:09
